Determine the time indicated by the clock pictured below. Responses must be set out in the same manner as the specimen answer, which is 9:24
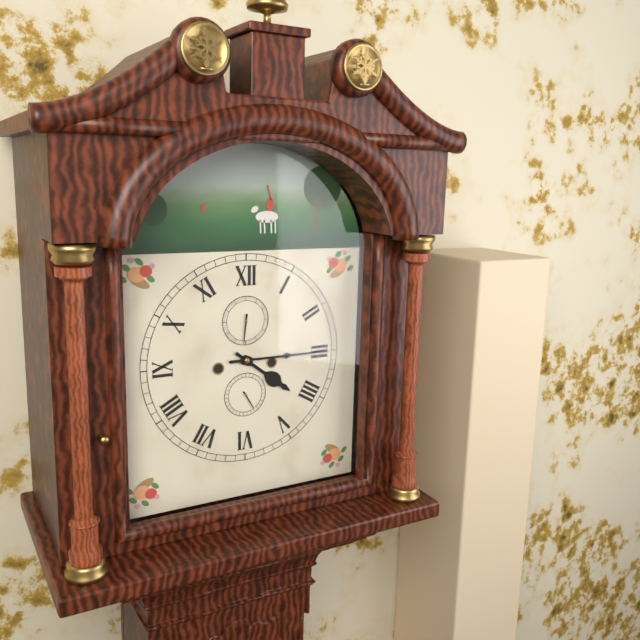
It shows 4:15
